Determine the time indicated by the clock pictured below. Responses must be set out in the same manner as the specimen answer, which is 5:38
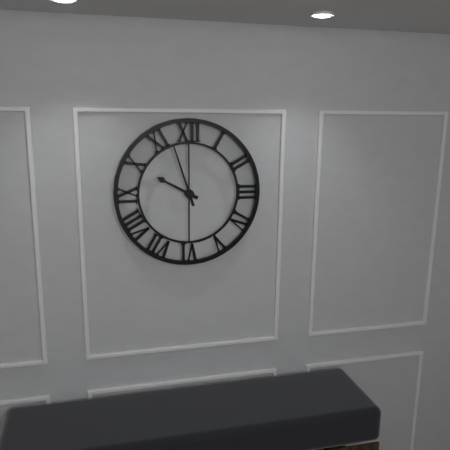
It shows 9:57
